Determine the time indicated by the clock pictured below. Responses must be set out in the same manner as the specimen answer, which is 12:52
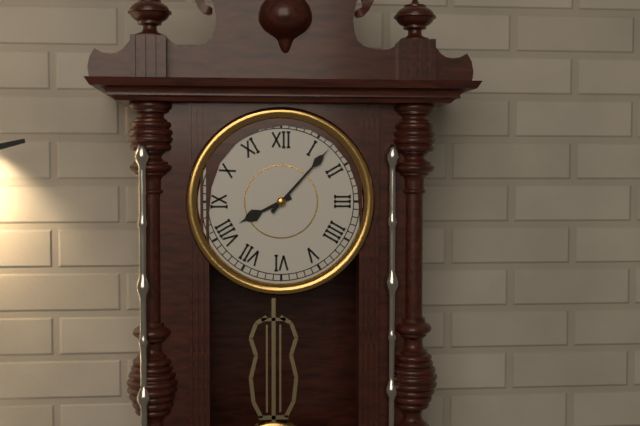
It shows 8:07
